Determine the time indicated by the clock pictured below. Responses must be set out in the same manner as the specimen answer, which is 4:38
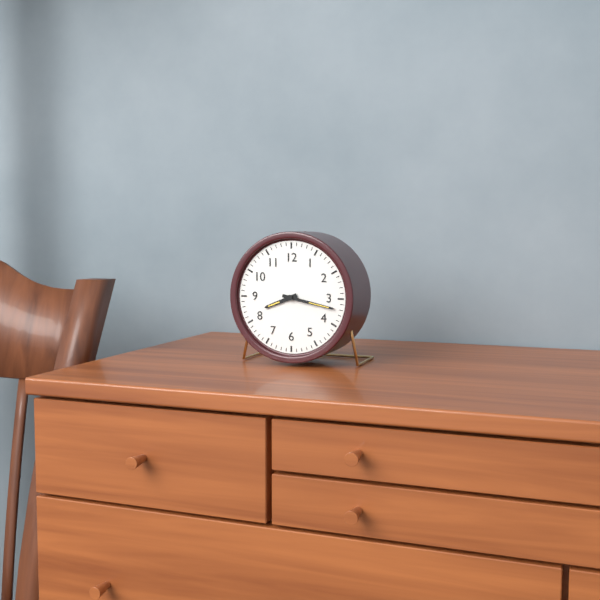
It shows 8:17
